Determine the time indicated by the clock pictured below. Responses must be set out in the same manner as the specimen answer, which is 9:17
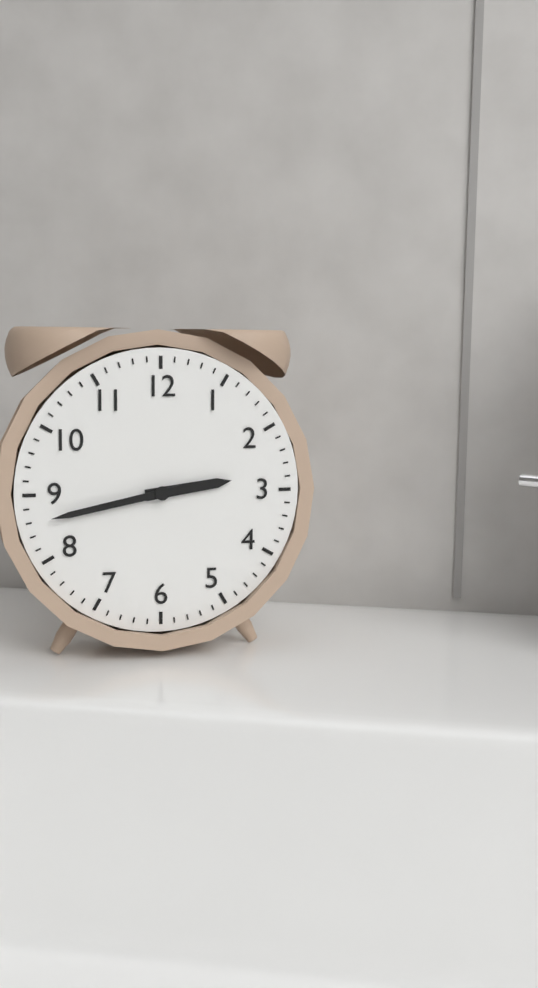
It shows 2:43
